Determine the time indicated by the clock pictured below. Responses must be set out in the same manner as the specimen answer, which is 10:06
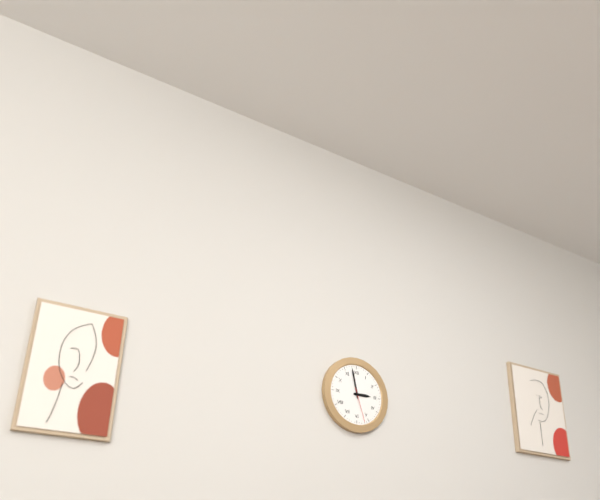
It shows 2:58
